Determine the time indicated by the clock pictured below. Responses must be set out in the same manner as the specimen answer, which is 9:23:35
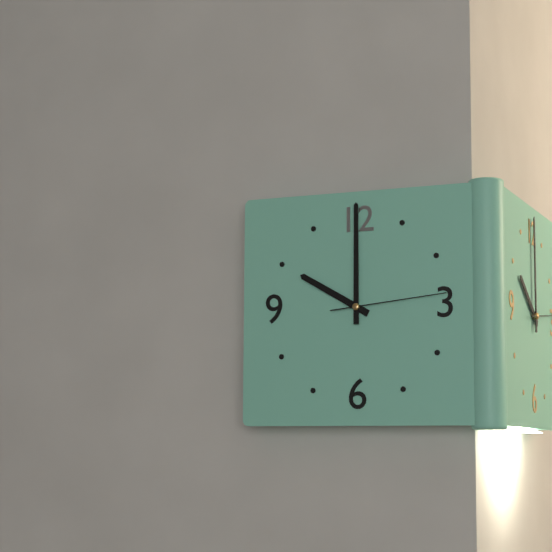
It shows 10:00:14
